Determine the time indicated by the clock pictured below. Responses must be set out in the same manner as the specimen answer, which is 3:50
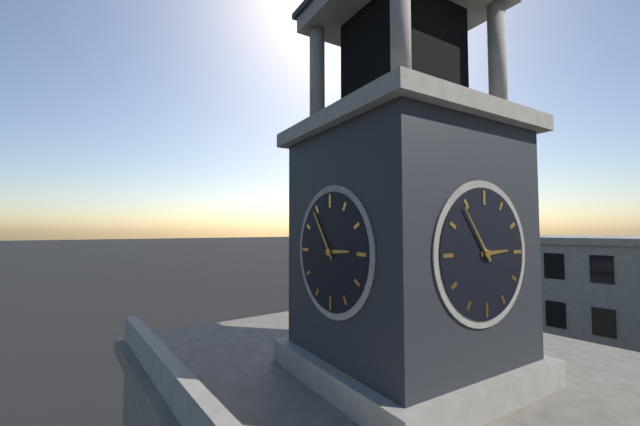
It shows 2:54
